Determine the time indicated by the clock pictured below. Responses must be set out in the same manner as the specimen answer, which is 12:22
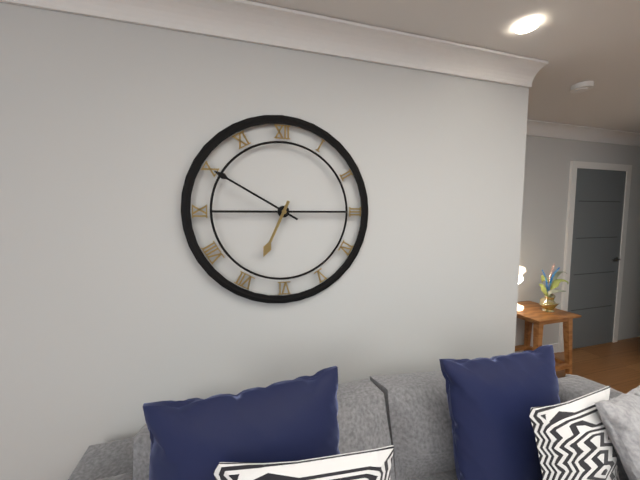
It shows 6:50
